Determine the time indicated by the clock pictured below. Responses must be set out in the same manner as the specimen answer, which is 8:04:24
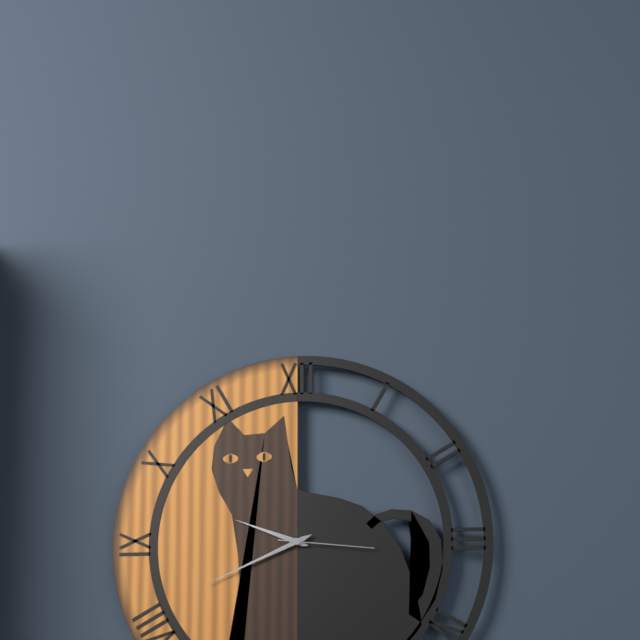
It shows 9:41:16
